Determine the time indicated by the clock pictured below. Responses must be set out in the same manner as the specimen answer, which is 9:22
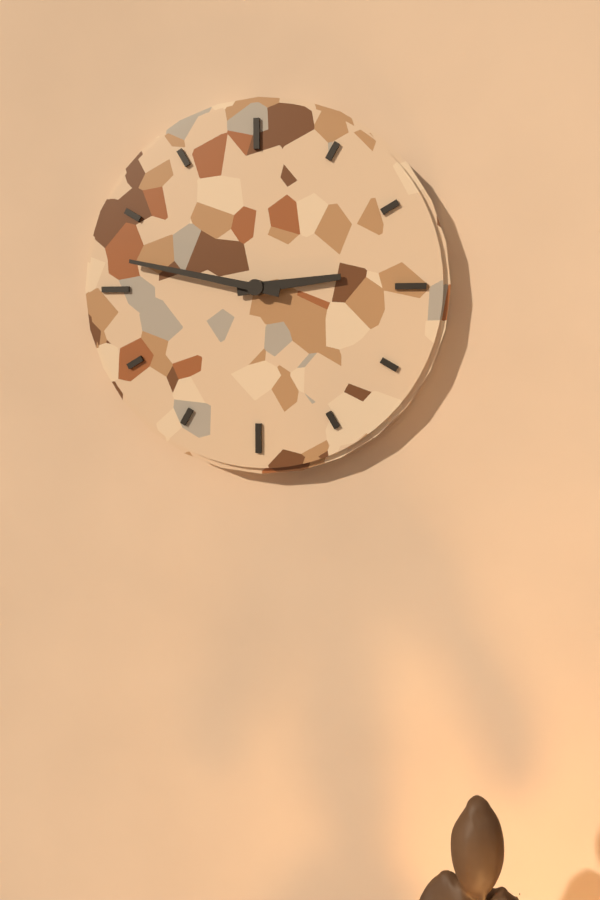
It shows 2:47
